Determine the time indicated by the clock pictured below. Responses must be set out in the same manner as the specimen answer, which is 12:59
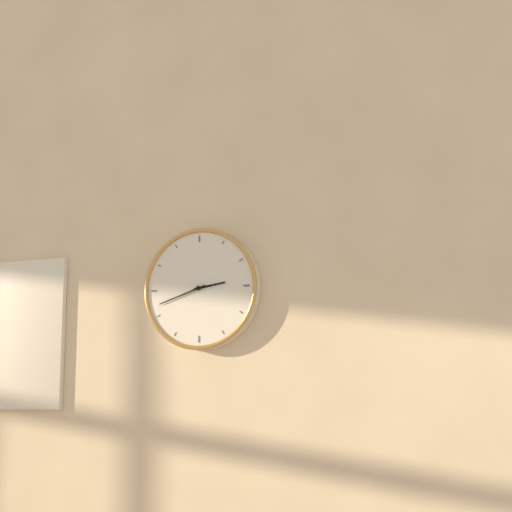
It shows 2:42
